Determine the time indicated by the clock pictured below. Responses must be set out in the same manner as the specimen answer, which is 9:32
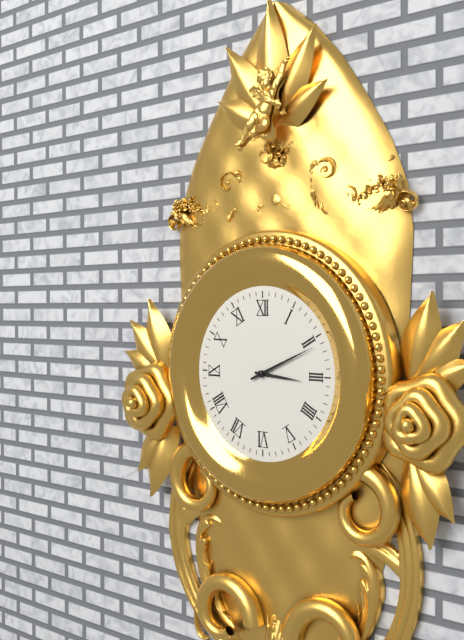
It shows 3:11
